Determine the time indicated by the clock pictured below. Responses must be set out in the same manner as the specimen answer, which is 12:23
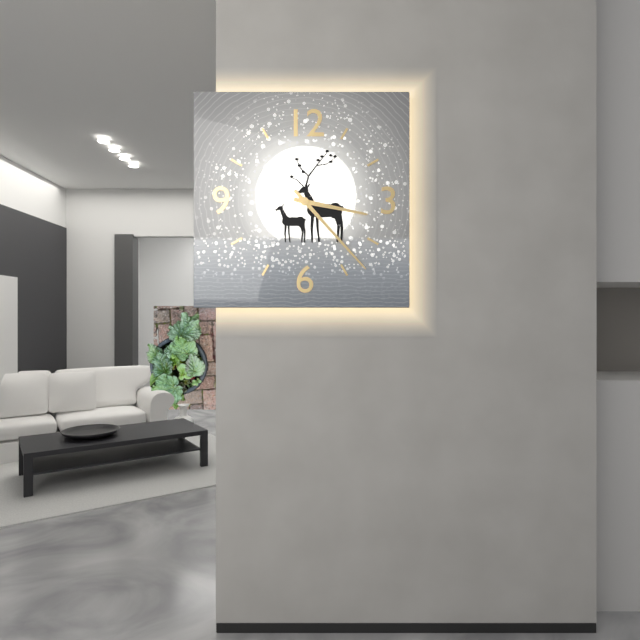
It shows 3:23
